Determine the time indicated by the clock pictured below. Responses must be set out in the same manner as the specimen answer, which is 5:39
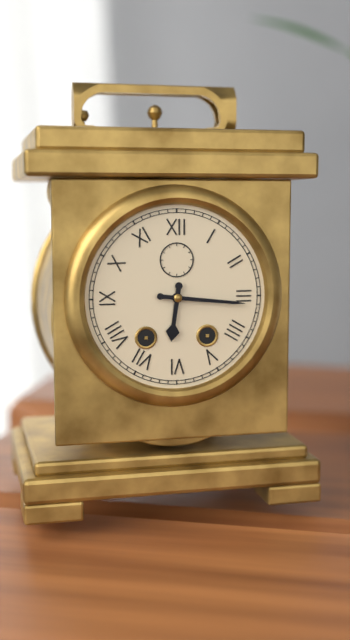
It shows 6:16
